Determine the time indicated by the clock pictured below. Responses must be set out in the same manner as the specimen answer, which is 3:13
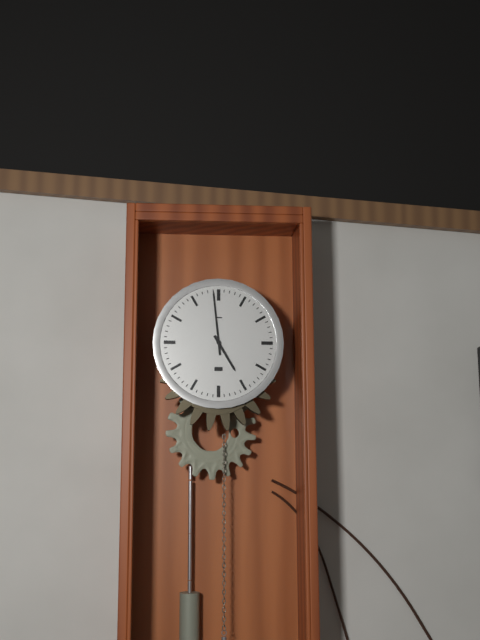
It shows 4:59
